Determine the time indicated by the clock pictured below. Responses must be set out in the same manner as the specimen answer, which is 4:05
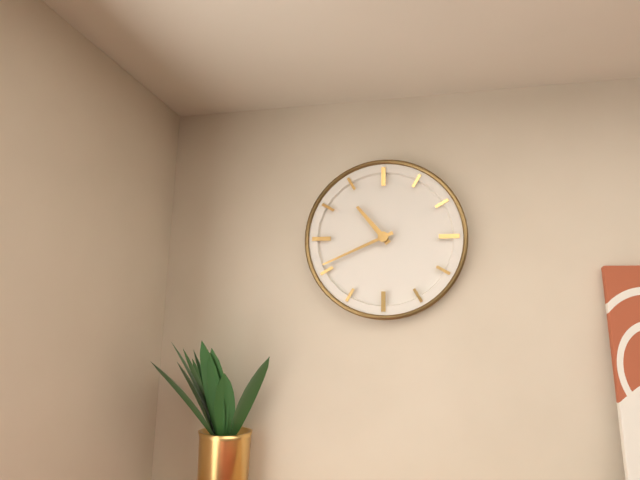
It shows 10:41
